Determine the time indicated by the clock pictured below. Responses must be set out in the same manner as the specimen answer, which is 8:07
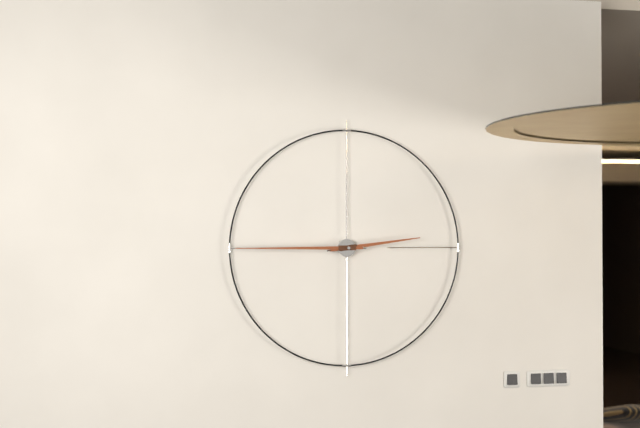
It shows 2:45
